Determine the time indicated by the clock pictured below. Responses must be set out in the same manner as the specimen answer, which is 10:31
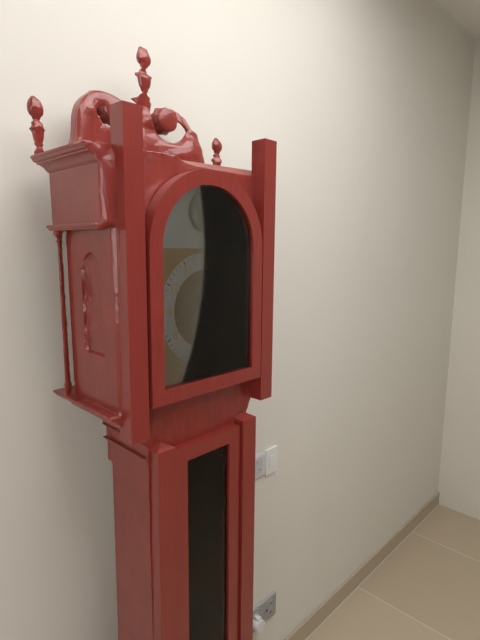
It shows 1:06
